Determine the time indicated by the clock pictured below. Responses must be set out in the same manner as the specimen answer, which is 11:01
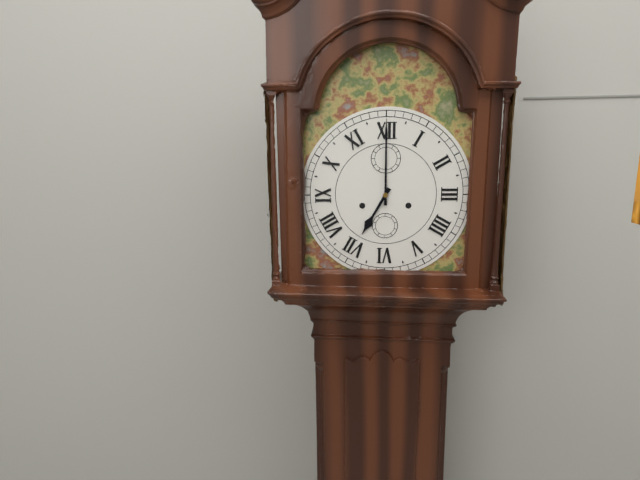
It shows 7:00
